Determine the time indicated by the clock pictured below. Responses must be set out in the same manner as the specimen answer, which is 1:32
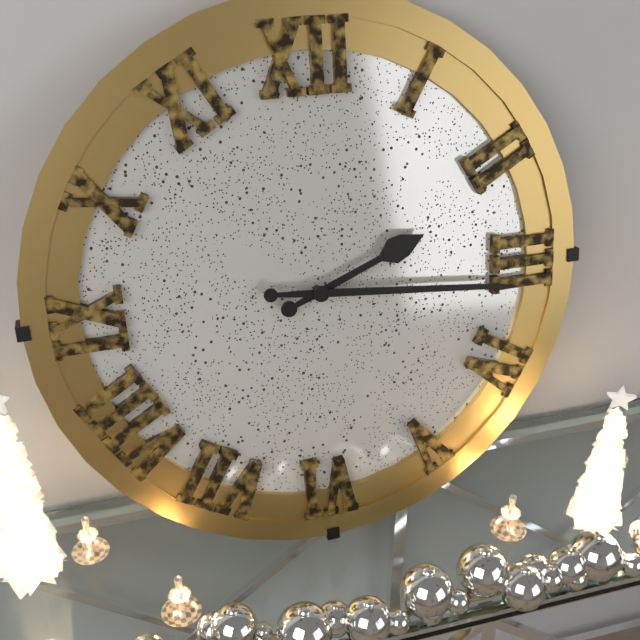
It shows 2:16
